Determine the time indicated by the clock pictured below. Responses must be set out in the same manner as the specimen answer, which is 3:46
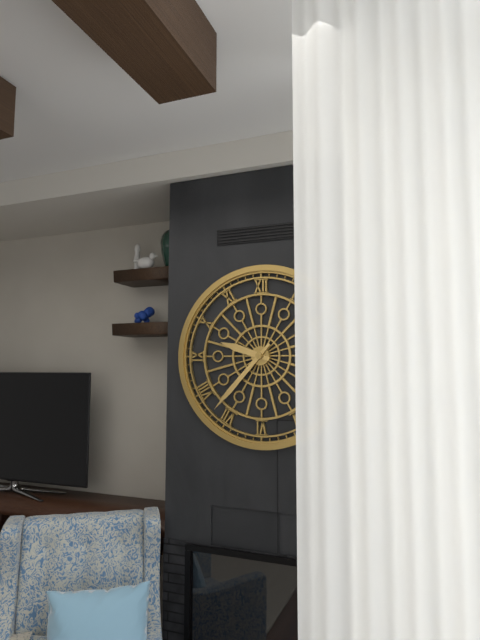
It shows 9:37
